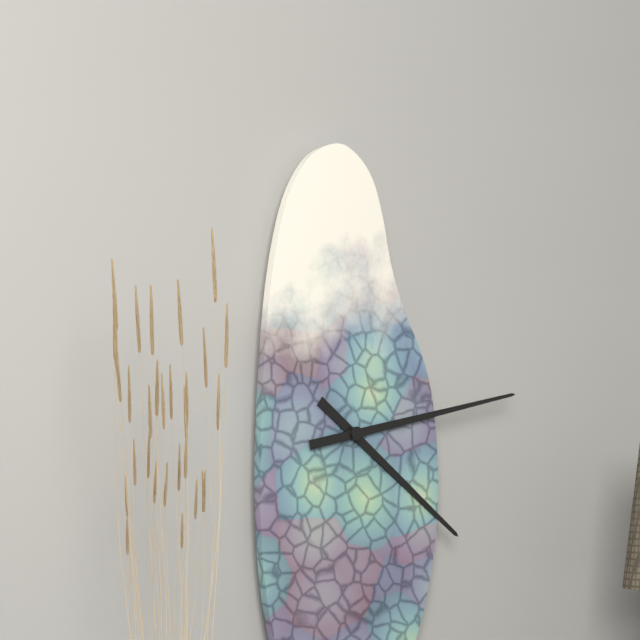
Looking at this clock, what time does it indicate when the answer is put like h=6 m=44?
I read h=4 m=13
